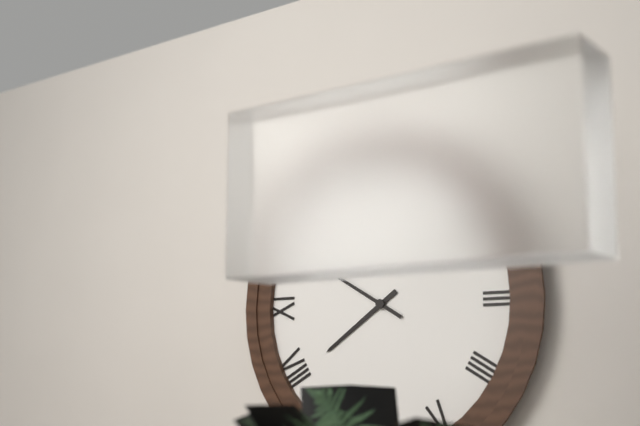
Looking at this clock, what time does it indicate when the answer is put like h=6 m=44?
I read h=7 m=50
